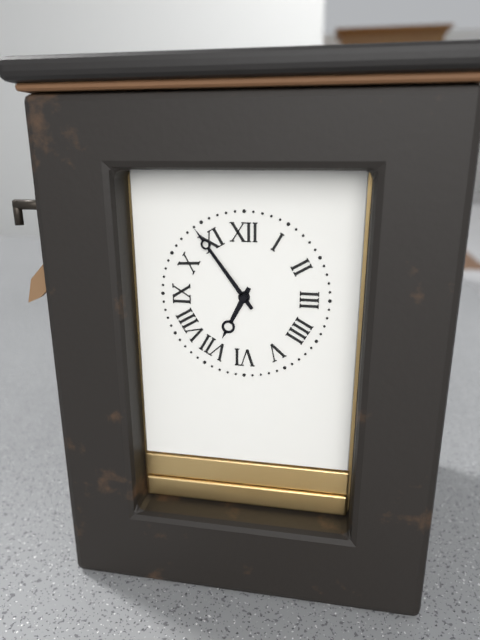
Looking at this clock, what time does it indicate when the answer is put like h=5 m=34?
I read h=6 m=54
